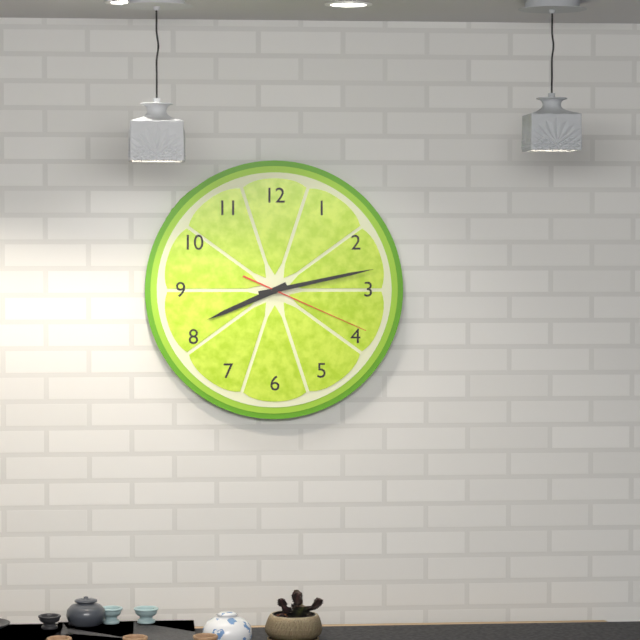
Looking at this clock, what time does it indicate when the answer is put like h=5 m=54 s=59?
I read h=8 m=13 s=19
